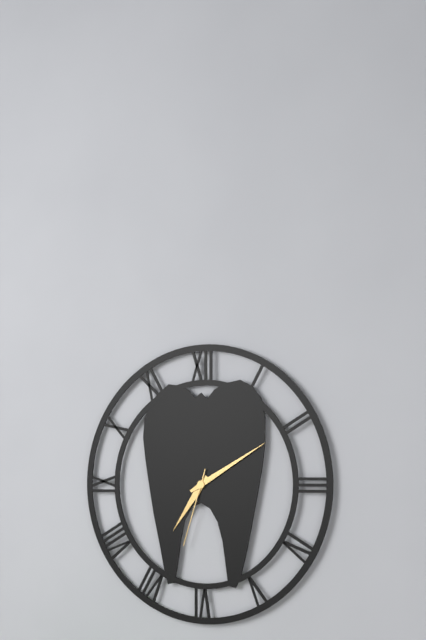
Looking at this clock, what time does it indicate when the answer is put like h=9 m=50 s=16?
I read h=7 m=10 s=33
